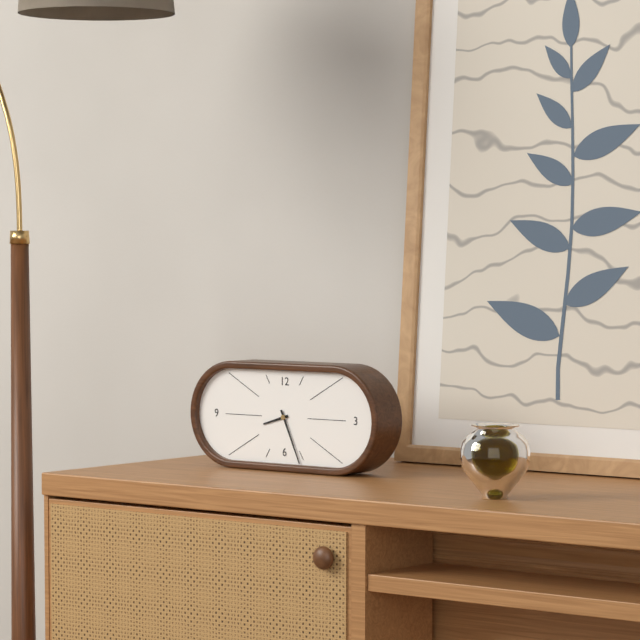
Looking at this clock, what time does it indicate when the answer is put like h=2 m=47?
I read h=8 m=26
